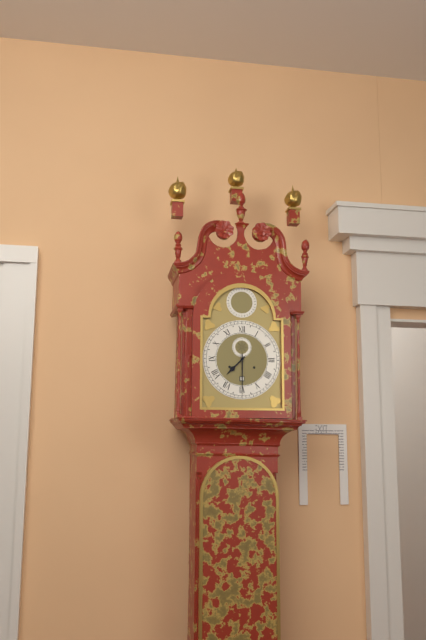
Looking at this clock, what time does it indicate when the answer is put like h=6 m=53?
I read h=7 m=30
